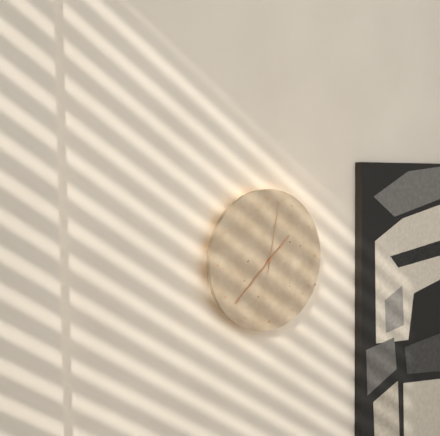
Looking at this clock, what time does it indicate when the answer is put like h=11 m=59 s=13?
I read h=1 m=38 s=2
